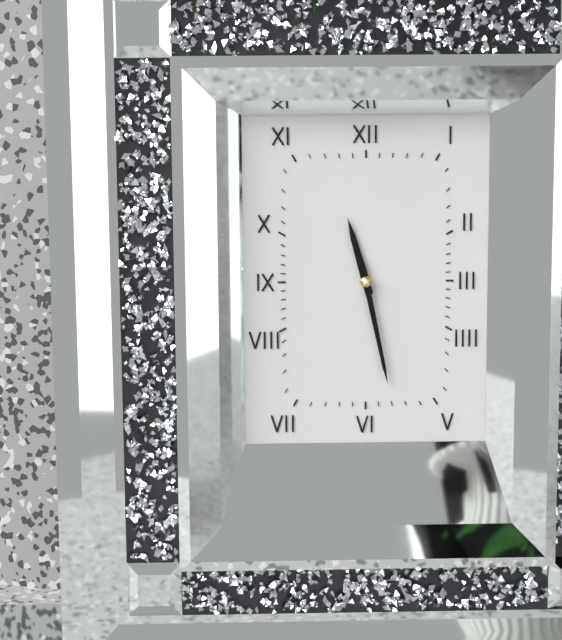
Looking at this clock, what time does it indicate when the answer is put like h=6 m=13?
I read h=11 m=28
